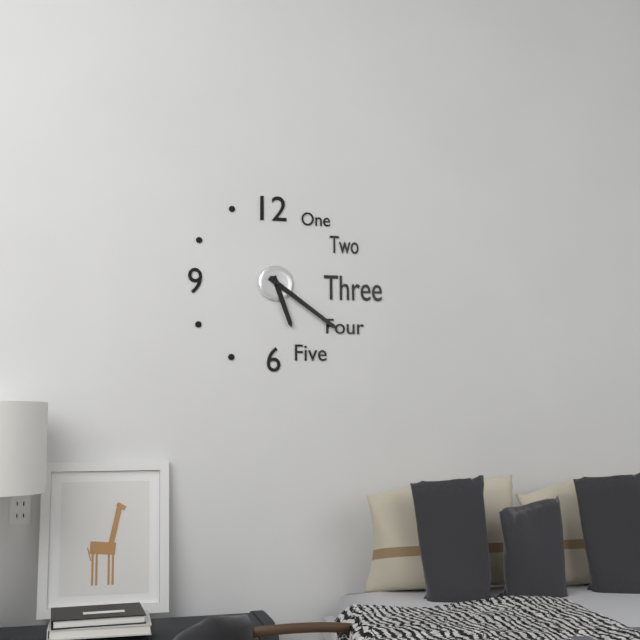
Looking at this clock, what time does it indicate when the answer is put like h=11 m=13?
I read h=5 m=21
